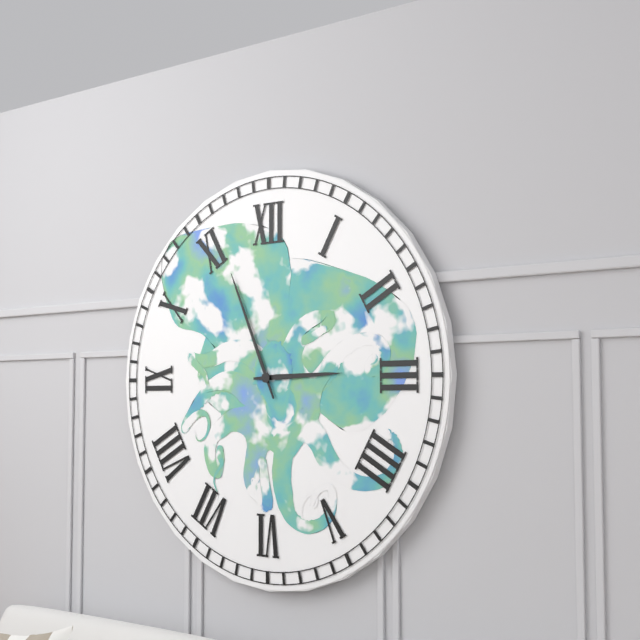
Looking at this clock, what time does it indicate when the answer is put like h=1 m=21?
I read h=2 m=56
